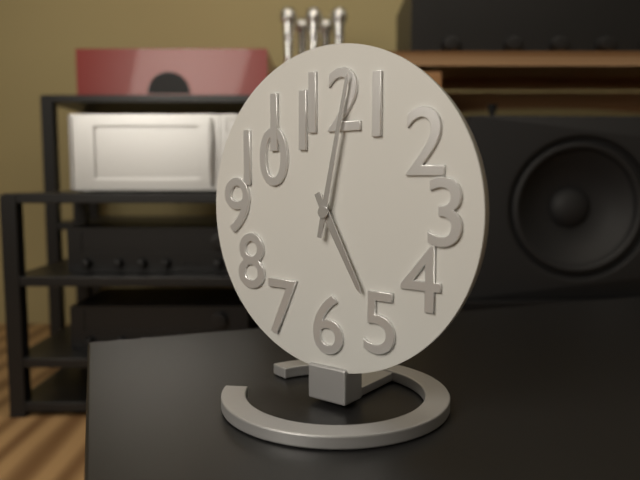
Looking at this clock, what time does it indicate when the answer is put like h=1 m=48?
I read h=5 m=2
